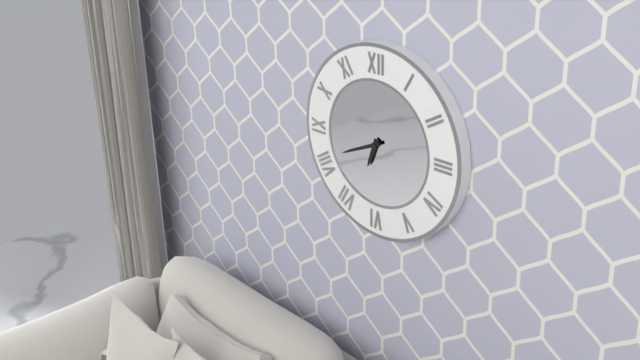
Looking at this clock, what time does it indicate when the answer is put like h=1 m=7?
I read h=6 m=41
